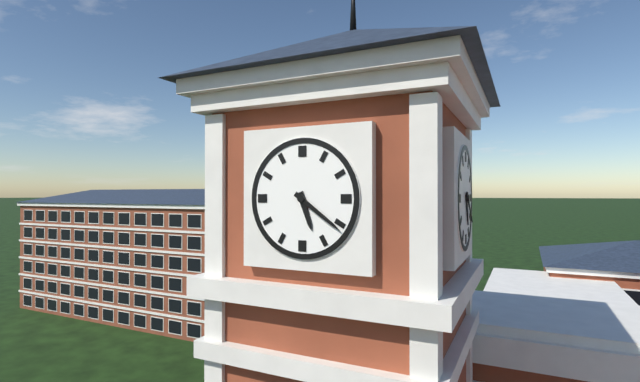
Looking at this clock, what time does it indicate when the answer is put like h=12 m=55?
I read h=5 m=21
